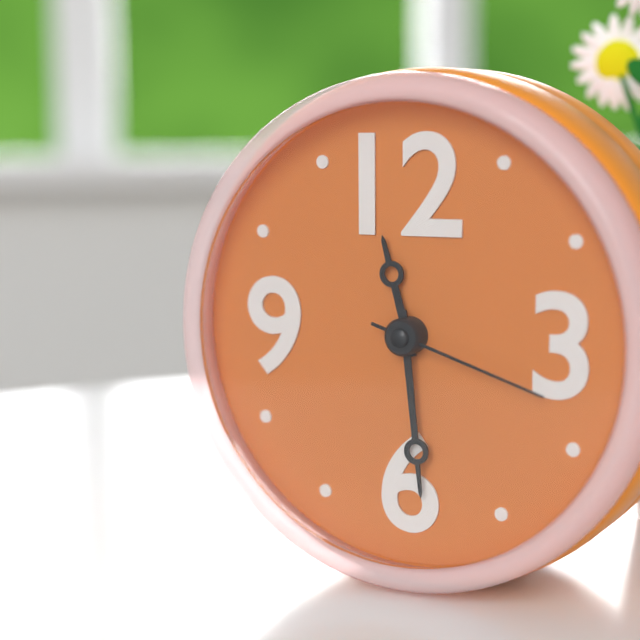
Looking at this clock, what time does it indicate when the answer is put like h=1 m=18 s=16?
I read h=11 m=29 s=18
